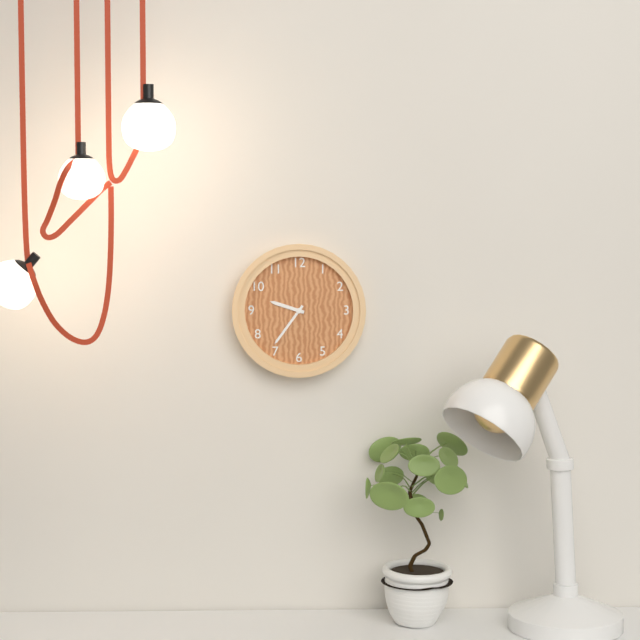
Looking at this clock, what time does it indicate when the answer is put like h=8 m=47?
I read h=9 m=36
